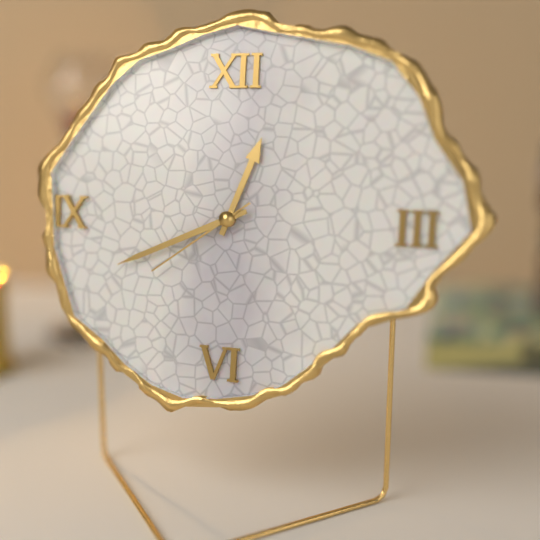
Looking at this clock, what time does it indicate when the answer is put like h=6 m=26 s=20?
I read h=12 m=41 s=39
